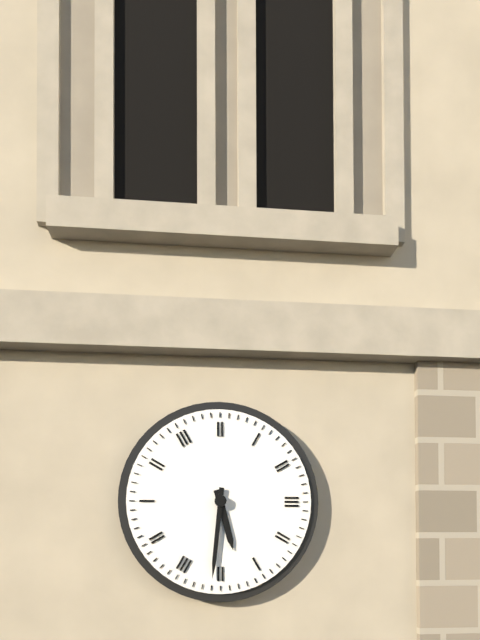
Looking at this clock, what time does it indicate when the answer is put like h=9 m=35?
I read h=5 m=31
